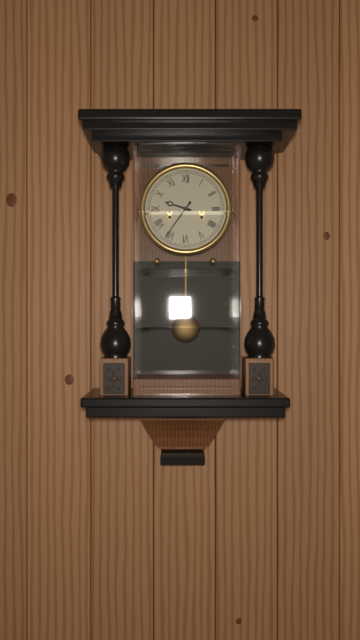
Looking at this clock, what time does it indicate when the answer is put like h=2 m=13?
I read h=9 m=36
